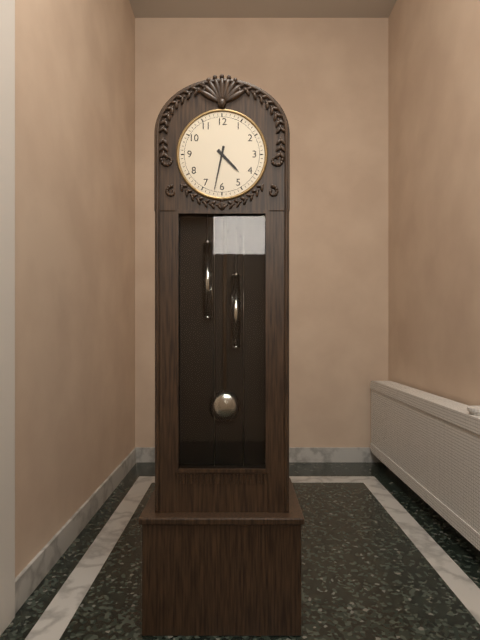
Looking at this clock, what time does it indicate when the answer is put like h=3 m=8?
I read h=4 m=32
